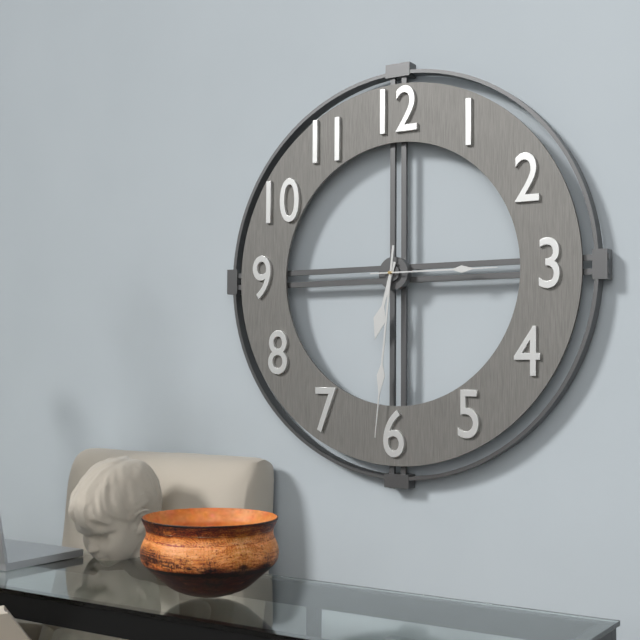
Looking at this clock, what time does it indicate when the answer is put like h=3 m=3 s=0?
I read h=6 m=31 s=15
